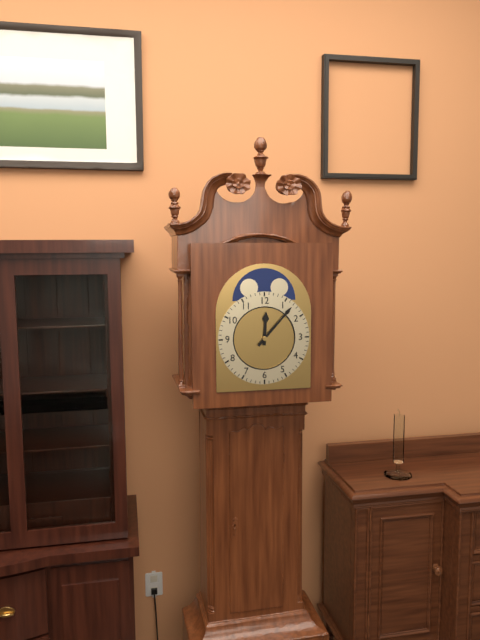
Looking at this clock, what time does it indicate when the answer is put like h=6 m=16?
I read h=12 m=7
